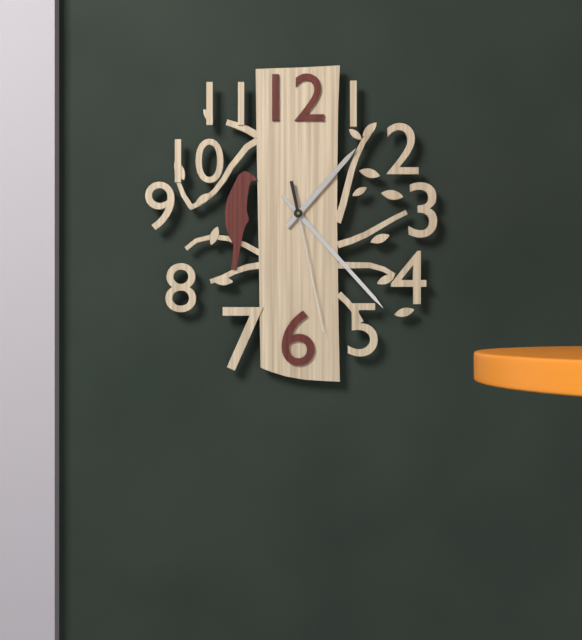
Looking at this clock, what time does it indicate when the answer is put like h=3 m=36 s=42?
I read h=1 m=23 s=28
